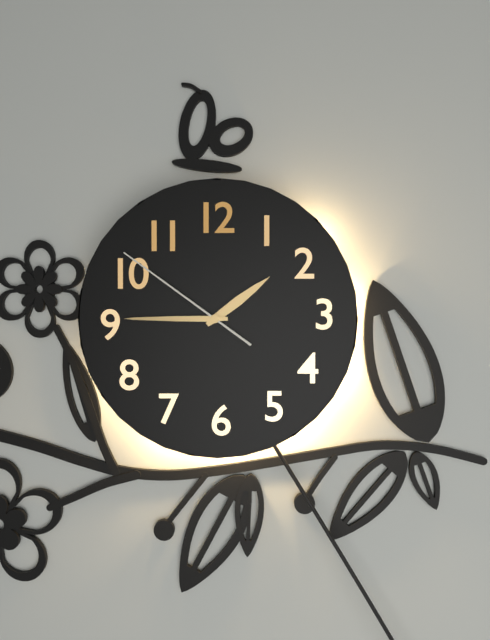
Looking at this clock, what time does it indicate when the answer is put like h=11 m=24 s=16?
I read h=1 m=45 s=51
